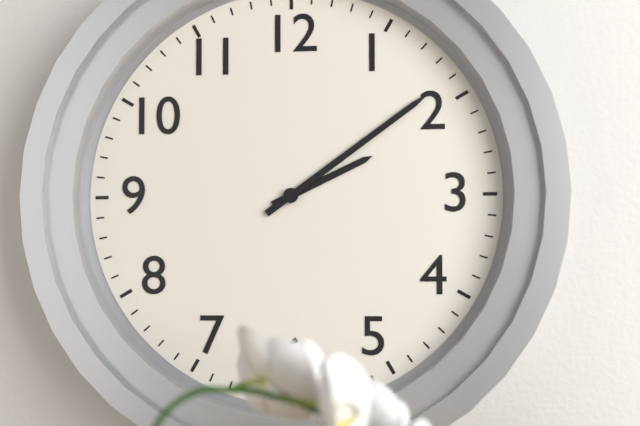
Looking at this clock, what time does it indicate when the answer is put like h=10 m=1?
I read h=2 m=9
